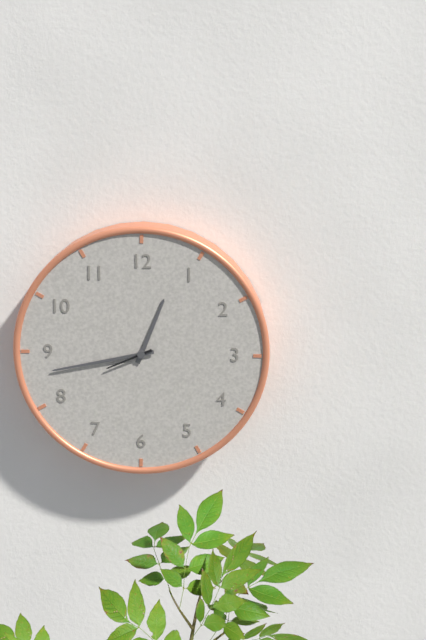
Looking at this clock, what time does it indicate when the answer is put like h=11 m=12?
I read h=12 m=43
